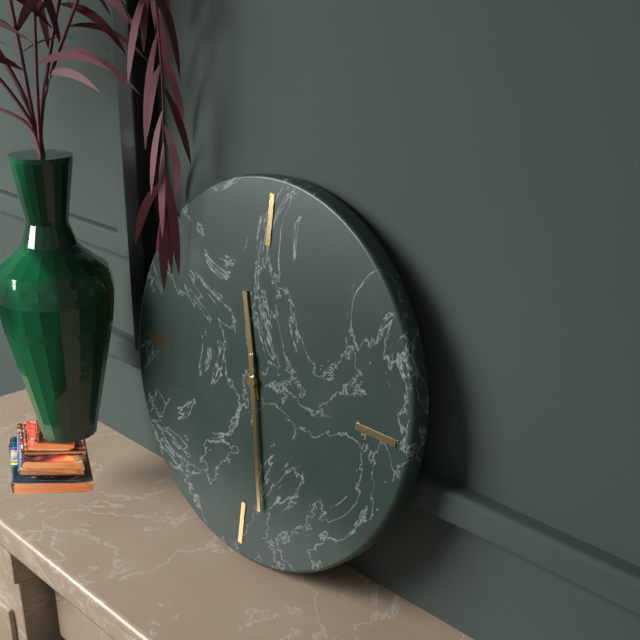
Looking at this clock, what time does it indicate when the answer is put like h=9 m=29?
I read h=11 m=28
